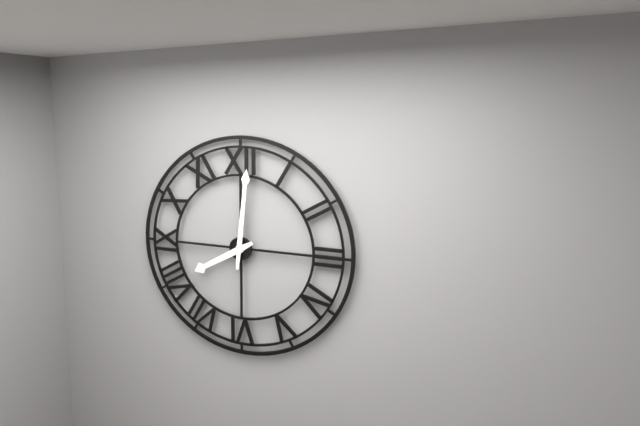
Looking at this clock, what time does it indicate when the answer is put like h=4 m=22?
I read h=8 m=1
